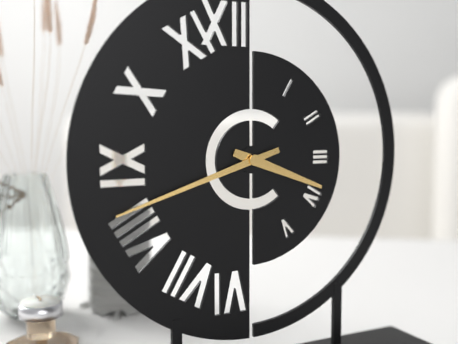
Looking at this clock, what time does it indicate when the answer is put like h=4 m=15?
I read h=3 m=42
